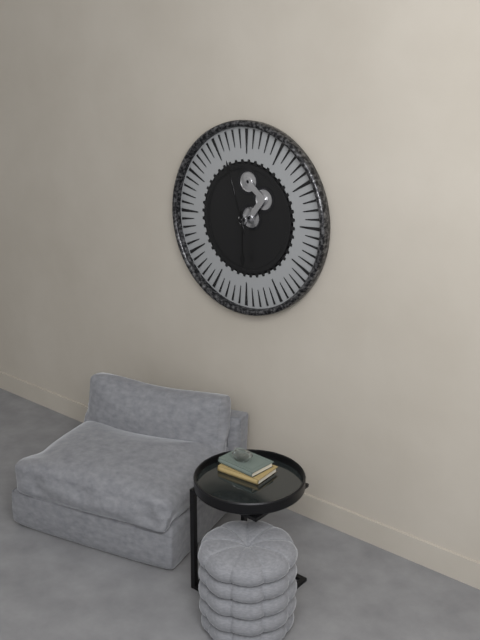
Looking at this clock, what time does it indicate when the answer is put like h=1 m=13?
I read h=5 m=57
